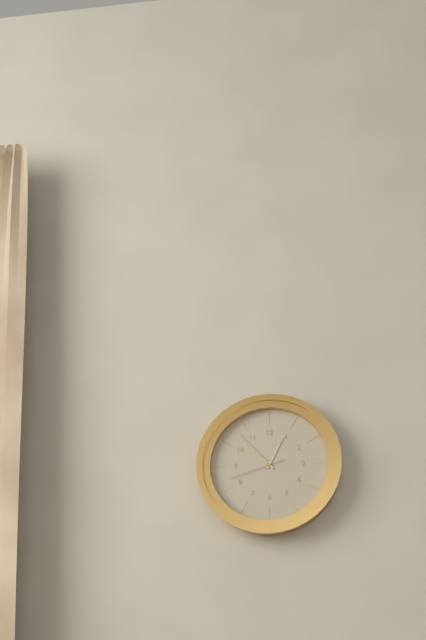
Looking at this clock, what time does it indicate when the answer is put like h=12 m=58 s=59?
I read h=12 m=53 s=42
